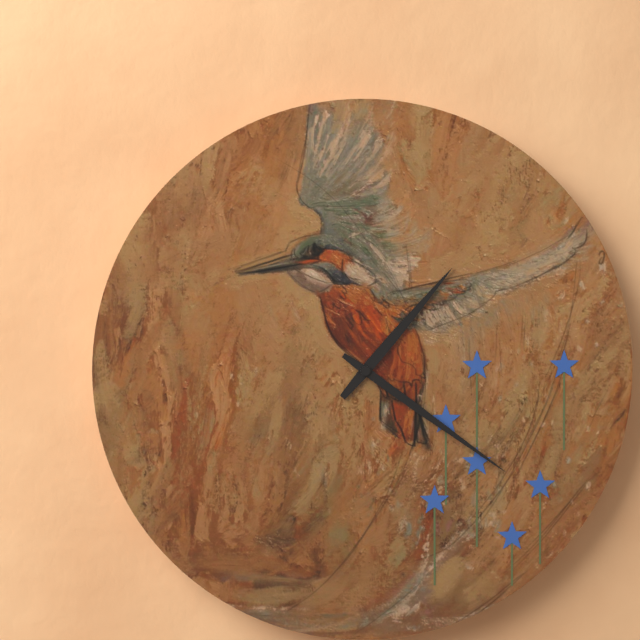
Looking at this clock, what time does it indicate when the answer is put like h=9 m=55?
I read h=1 m=21
